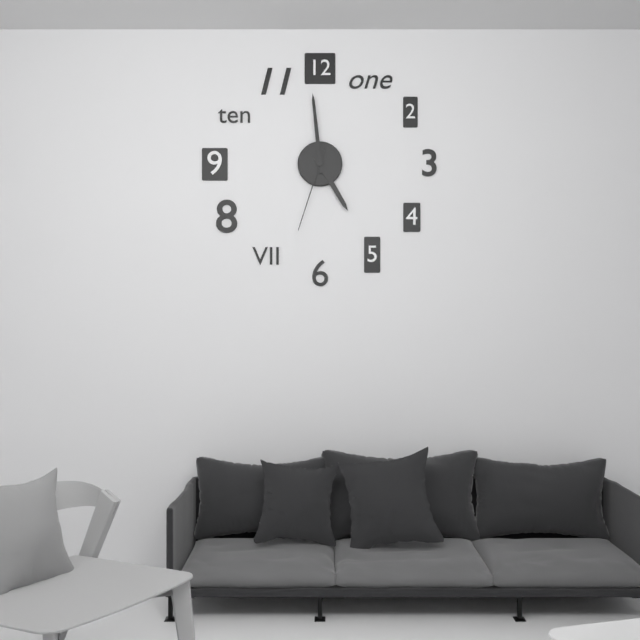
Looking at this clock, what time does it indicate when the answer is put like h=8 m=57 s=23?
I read h=4 m=59 s=33
